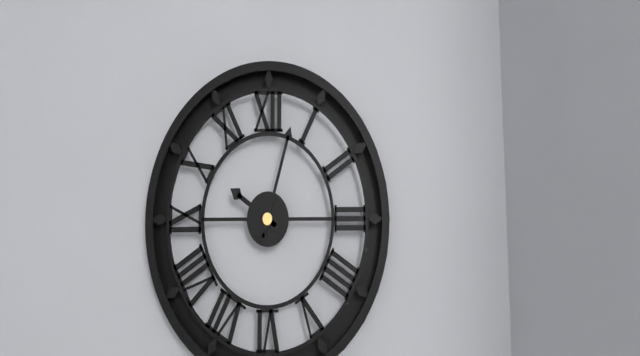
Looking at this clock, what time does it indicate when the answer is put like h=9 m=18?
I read h=10 m=3
